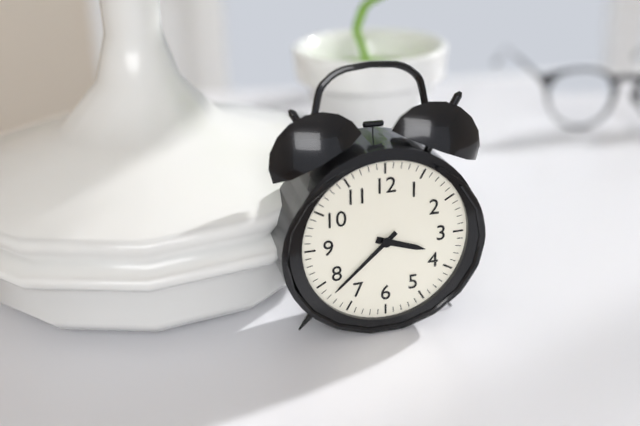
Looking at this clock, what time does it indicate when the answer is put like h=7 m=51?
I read h=3 m=38
